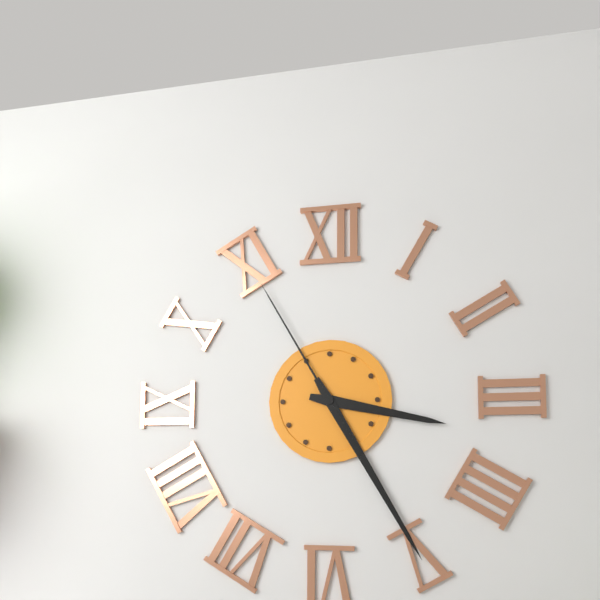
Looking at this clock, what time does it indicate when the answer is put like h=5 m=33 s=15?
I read h=3 m=25 s=55
